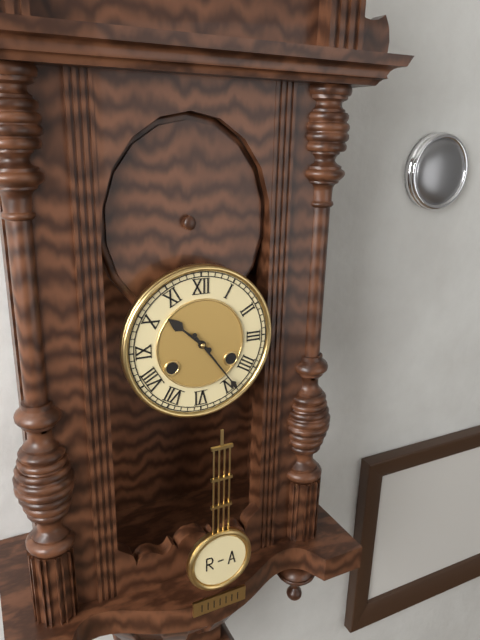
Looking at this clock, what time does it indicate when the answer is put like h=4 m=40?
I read h=10 m=24
